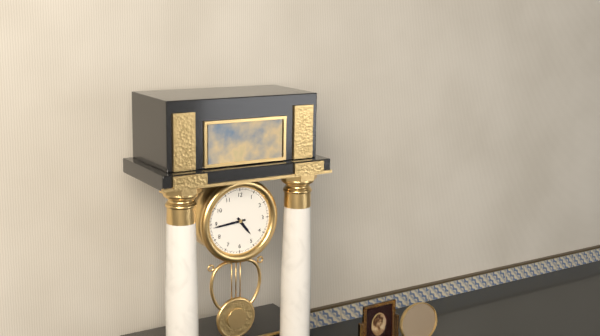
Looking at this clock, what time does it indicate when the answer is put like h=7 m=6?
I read h=4 m=44
